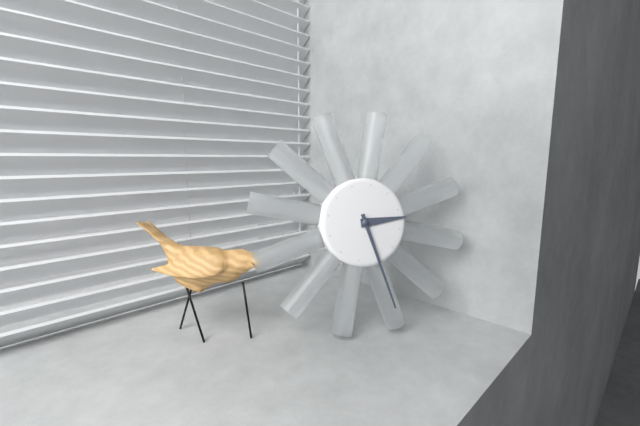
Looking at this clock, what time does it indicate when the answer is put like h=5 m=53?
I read h=2 m=25
